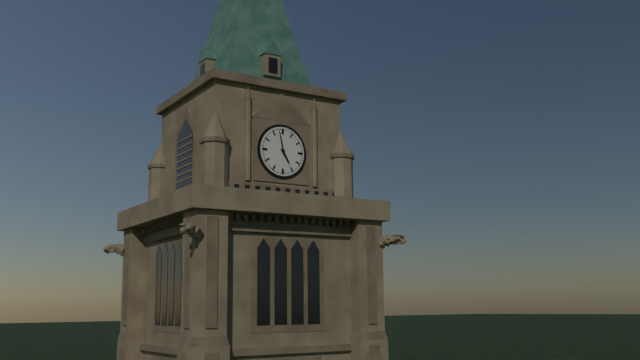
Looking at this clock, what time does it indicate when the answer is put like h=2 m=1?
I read h=4 m=58
